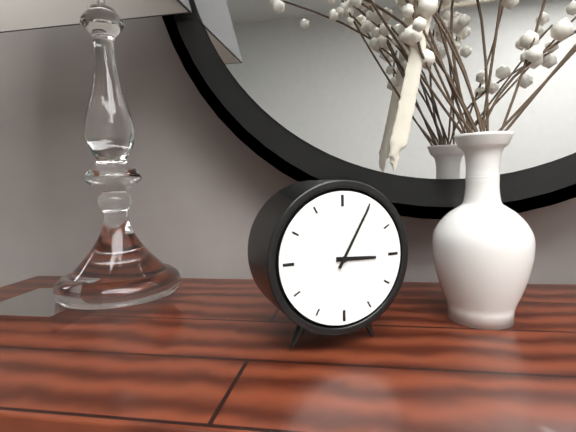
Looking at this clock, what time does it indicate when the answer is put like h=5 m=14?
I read h=3 m=5
